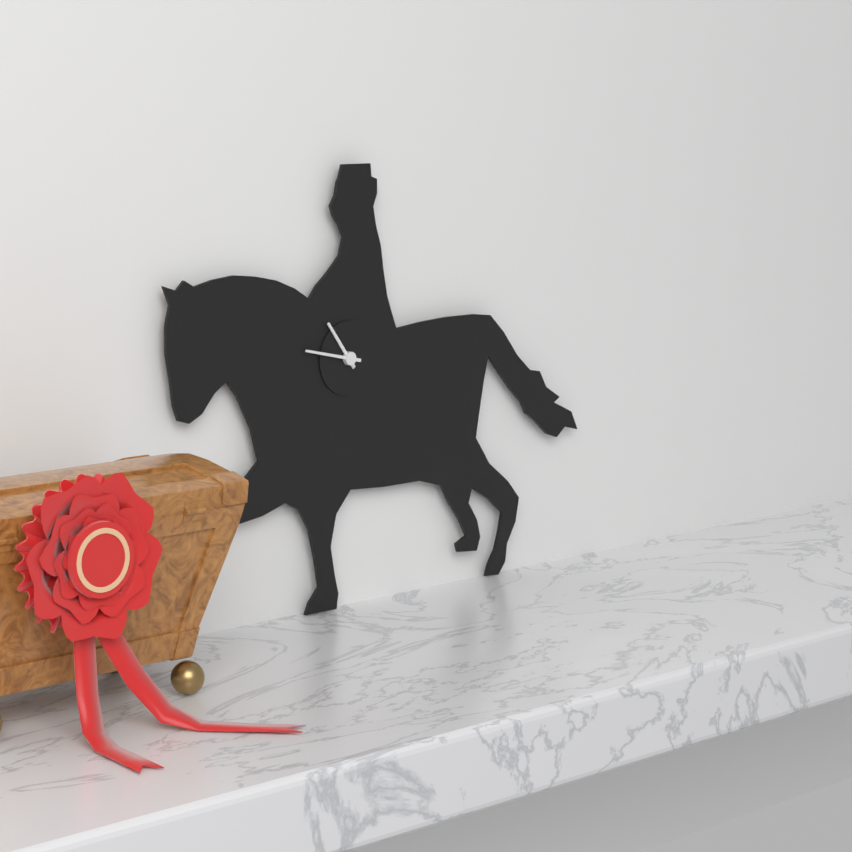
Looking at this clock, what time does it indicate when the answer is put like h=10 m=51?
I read h=10 m=47
